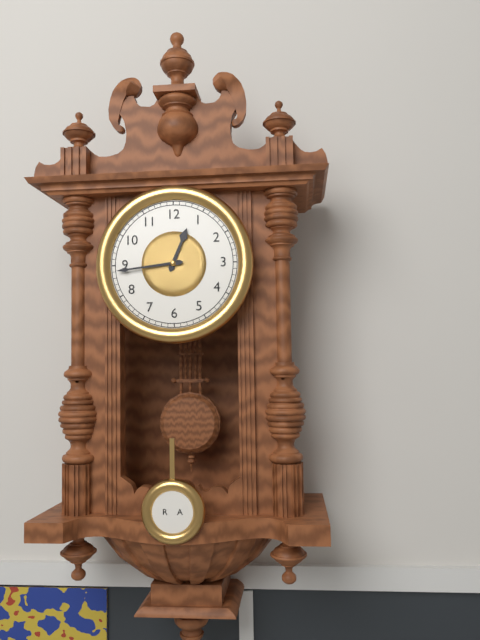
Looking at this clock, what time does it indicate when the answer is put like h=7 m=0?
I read h=12 m=44
